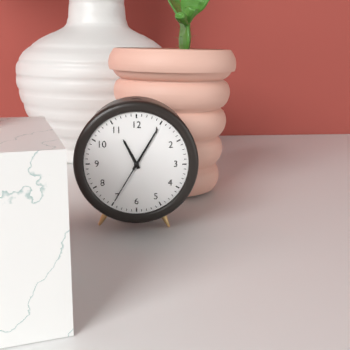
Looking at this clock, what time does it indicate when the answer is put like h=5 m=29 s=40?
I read h=11 m=5 s=35
